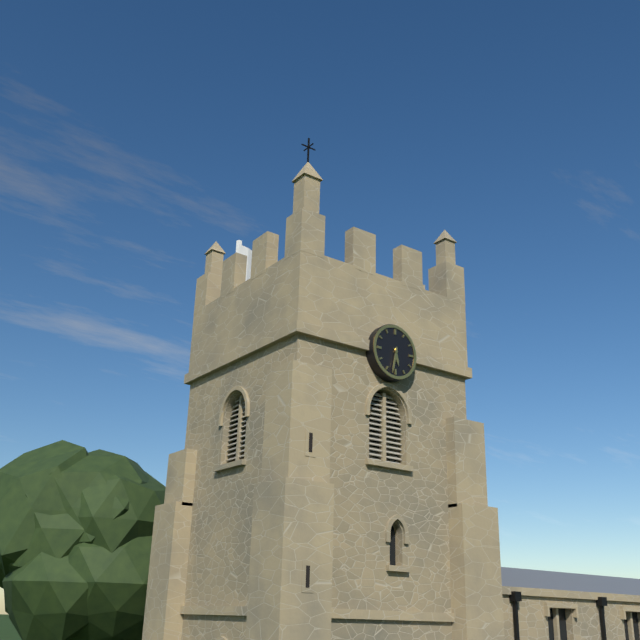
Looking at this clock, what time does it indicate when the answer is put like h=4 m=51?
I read h=5 m=32
